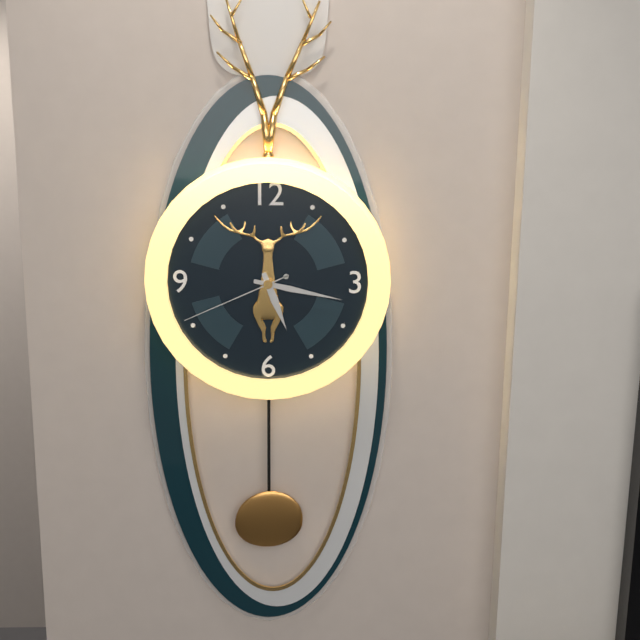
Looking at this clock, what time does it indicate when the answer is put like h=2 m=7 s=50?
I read h=5 m=17 s=41
